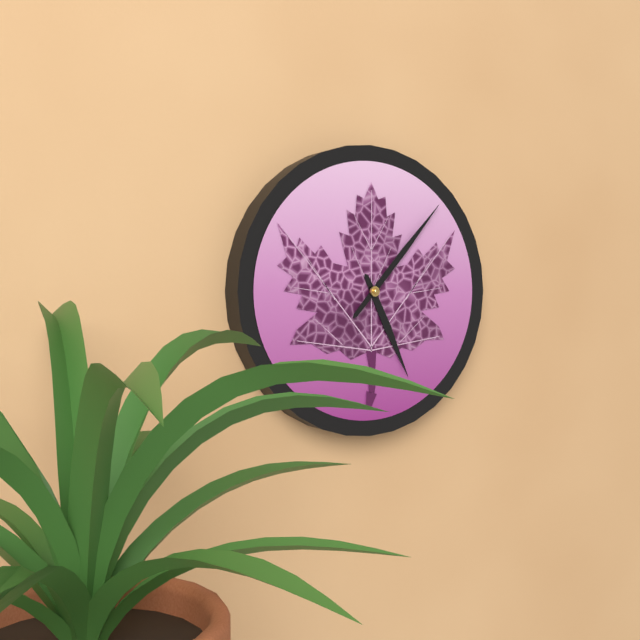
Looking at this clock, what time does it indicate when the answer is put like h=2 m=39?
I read h=5 m=7
